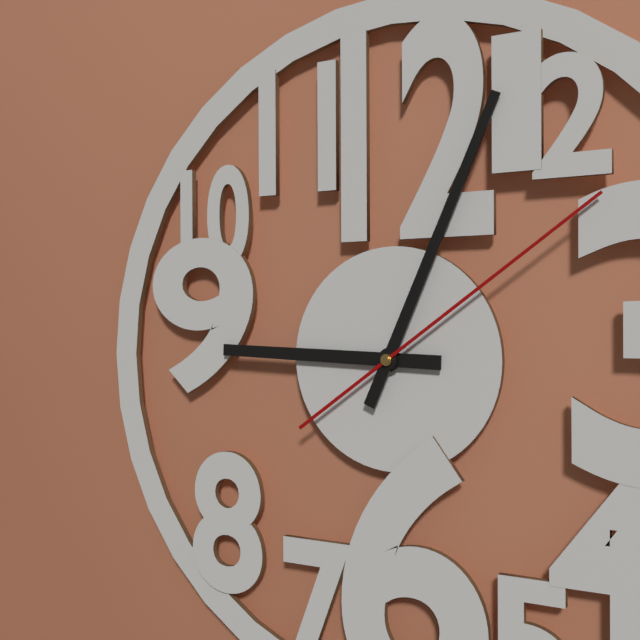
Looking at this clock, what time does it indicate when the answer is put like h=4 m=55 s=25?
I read h=9 m=4 s=9
